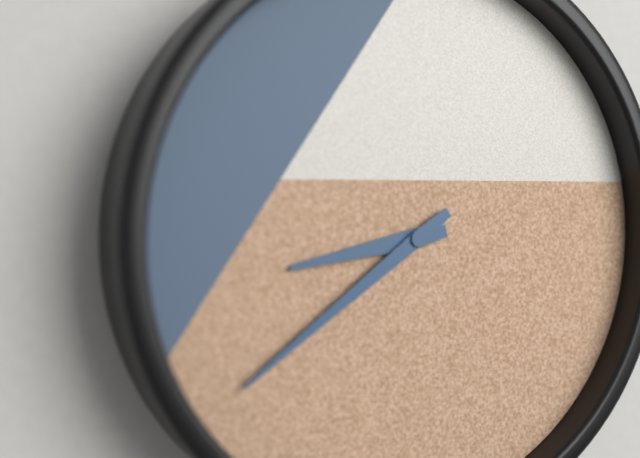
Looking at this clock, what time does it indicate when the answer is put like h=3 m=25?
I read h=8 m=39
